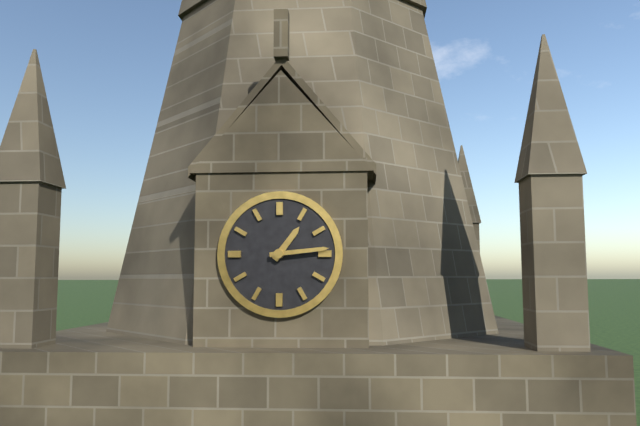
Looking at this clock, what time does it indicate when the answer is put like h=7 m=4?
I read h=1 m=14
